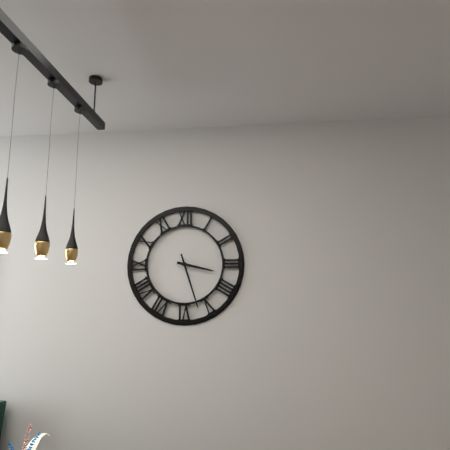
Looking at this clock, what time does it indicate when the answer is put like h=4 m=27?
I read h=3 m=27
